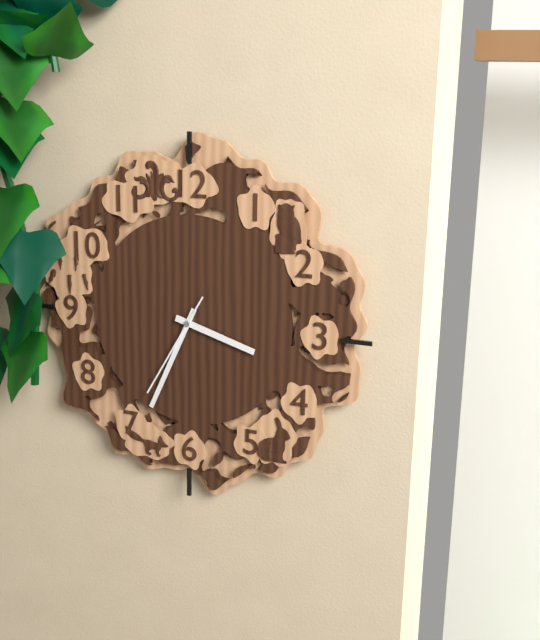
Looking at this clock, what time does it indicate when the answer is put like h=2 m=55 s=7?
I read h=3 m=34 s=35
